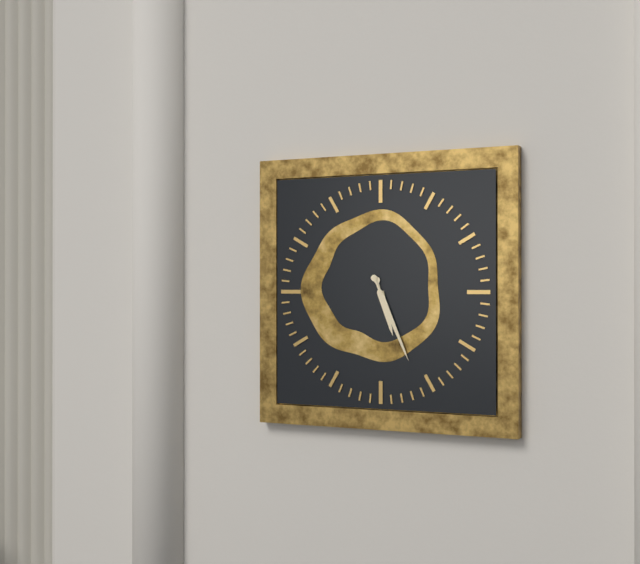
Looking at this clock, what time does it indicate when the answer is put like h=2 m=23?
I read h=5 m=26
